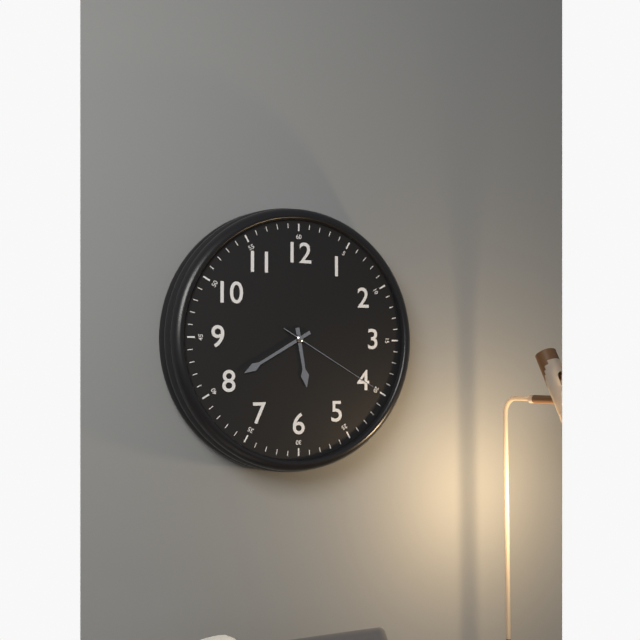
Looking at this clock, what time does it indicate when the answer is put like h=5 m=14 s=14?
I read h=5 m=40 s=20
